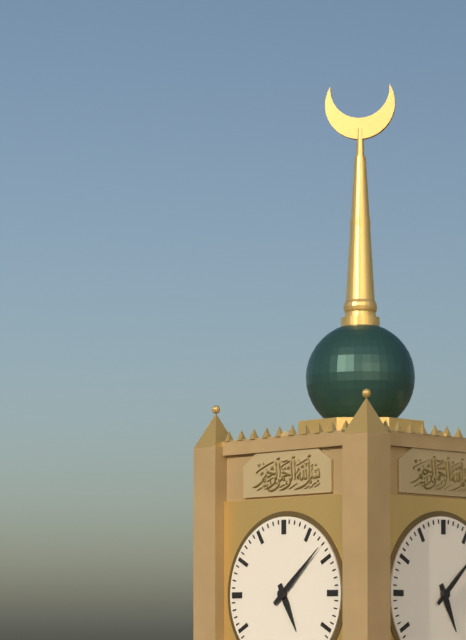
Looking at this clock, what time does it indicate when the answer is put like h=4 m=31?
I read h=5 m=8
